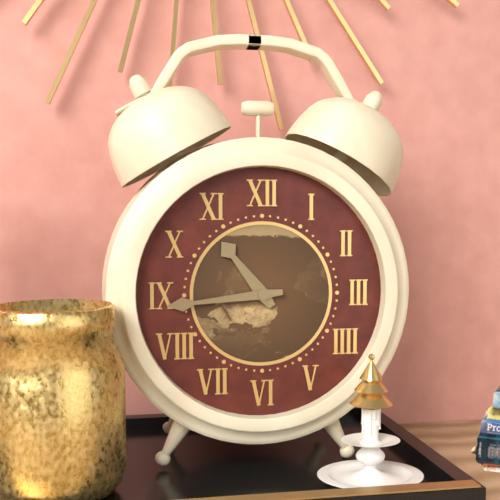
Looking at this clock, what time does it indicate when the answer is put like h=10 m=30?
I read h=10 m=44
